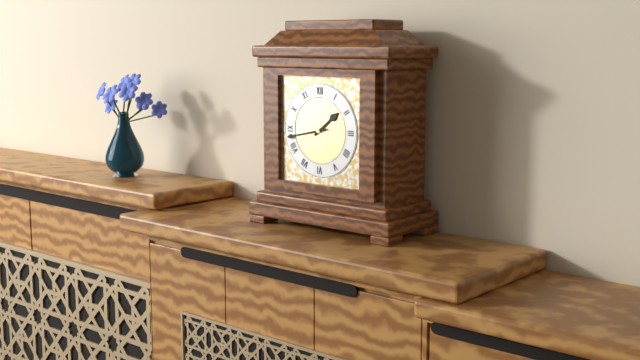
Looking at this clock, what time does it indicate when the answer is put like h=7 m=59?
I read h=1 m=43
